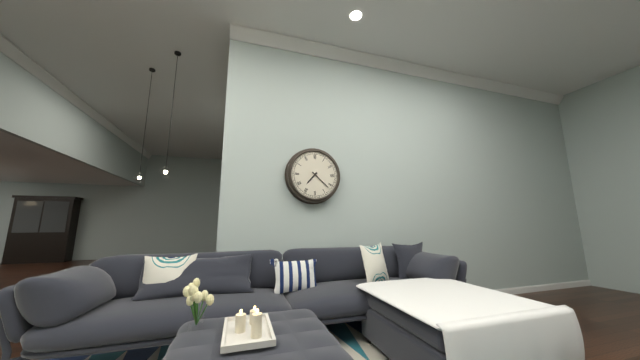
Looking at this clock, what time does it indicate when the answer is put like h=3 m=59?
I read h=7 m=22
